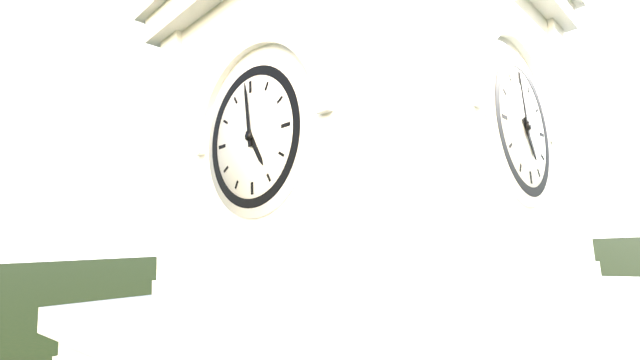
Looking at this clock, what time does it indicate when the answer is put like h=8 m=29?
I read h=4 m=59
